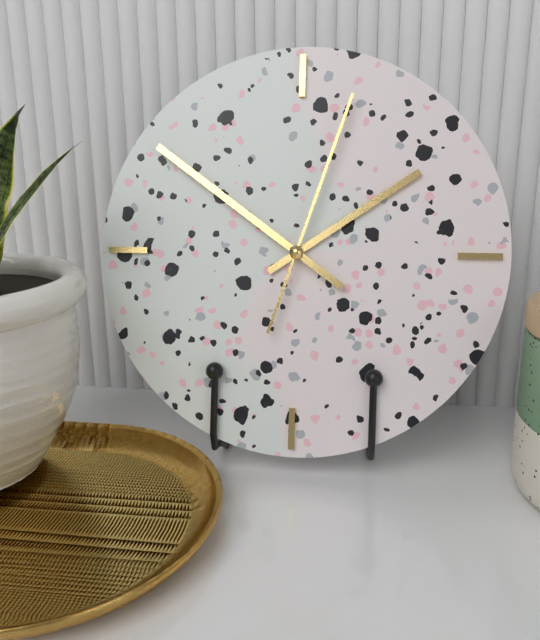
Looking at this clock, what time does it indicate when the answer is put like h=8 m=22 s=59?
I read h=1 m=51 s=3
